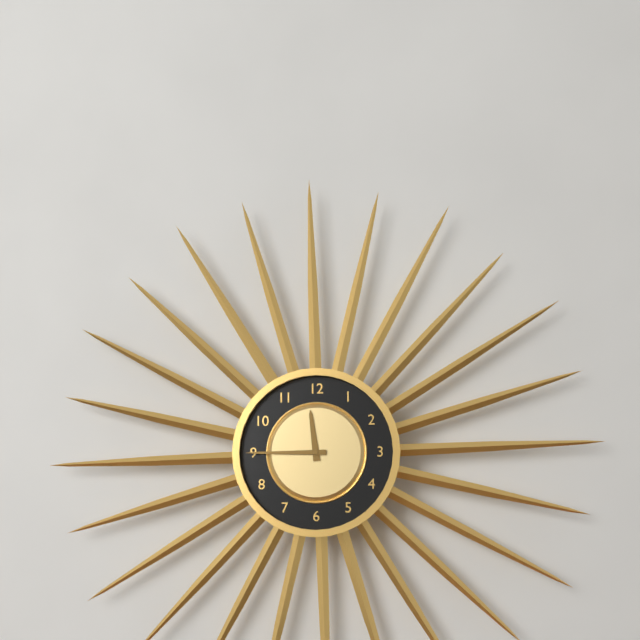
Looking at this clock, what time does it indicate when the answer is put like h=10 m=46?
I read h=11 m=45
